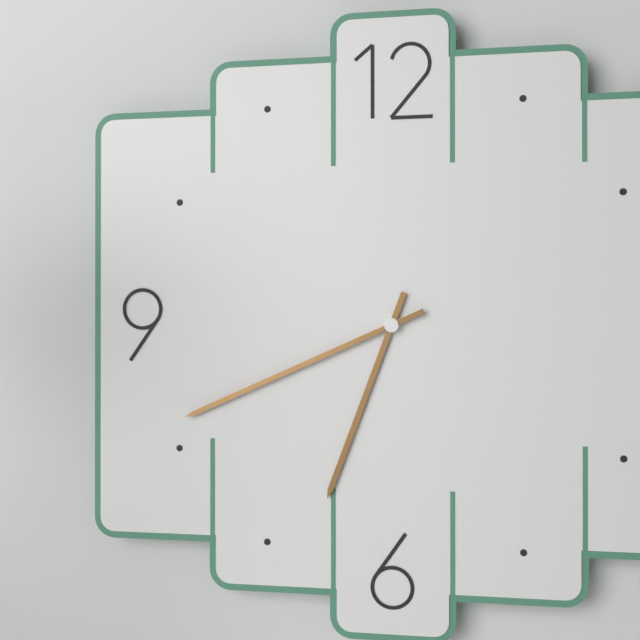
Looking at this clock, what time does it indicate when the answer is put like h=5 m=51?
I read h=6 m=41
